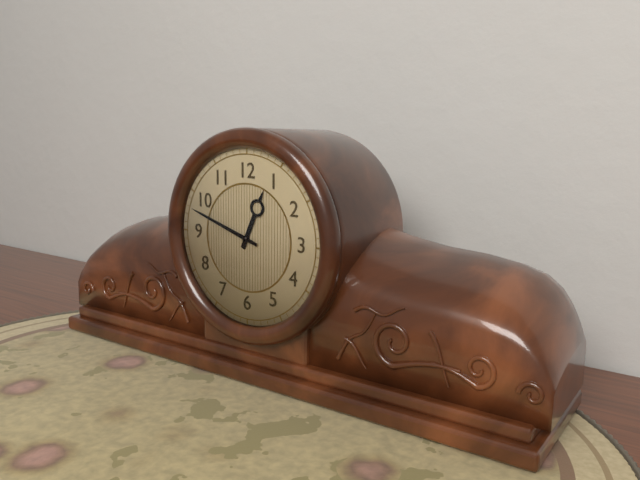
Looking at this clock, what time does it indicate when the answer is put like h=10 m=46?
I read h=12 m=48
